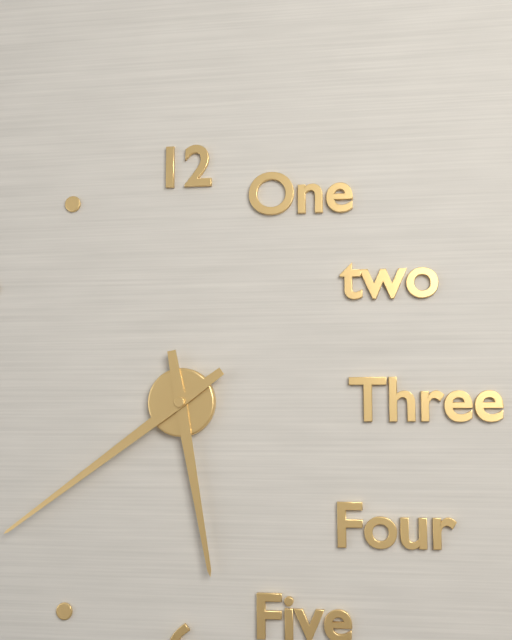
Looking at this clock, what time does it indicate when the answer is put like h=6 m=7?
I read h=5 m=39
